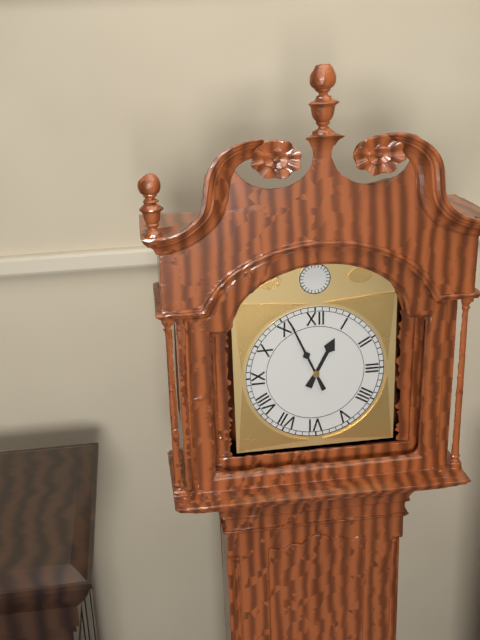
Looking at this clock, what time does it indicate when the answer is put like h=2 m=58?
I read h=12 m=56
